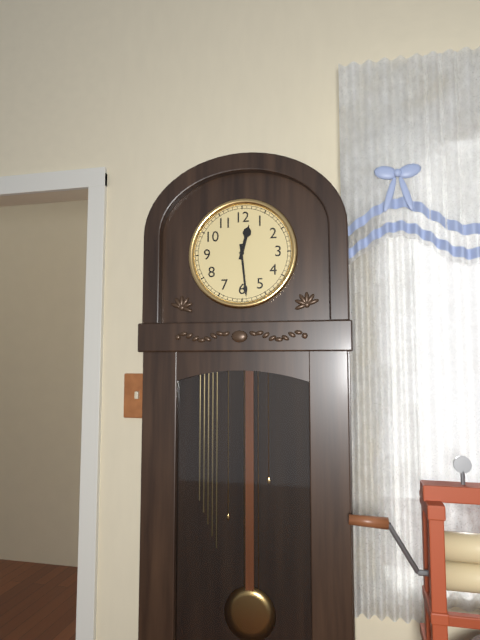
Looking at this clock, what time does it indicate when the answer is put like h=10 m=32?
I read h=12 m=29
